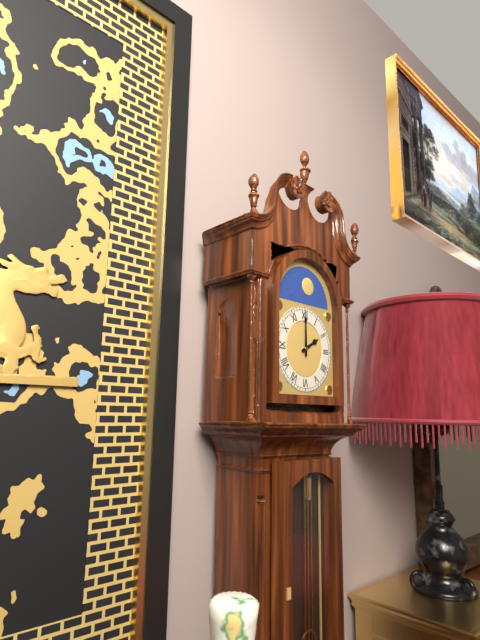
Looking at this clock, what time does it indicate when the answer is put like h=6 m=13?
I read h=2 m=0
